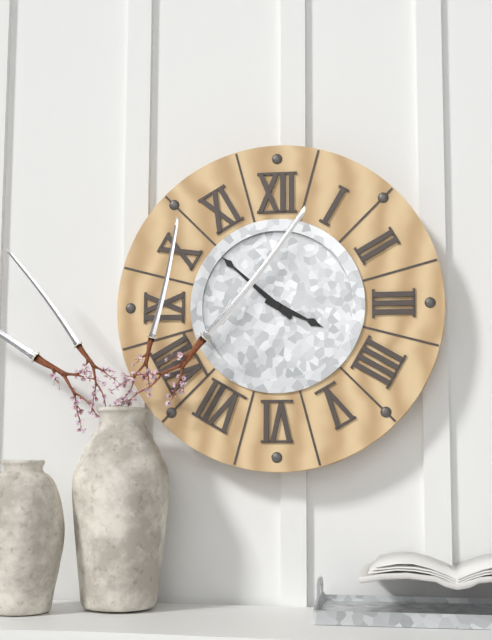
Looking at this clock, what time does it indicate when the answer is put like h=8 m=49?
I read h=3 m=52
